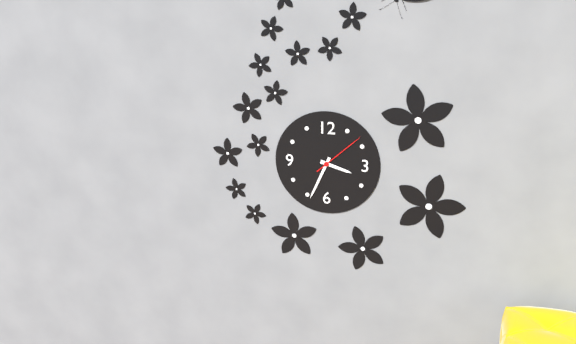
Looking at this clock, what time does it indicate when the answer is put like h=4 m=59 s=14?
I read h=3 m=34 s=8
